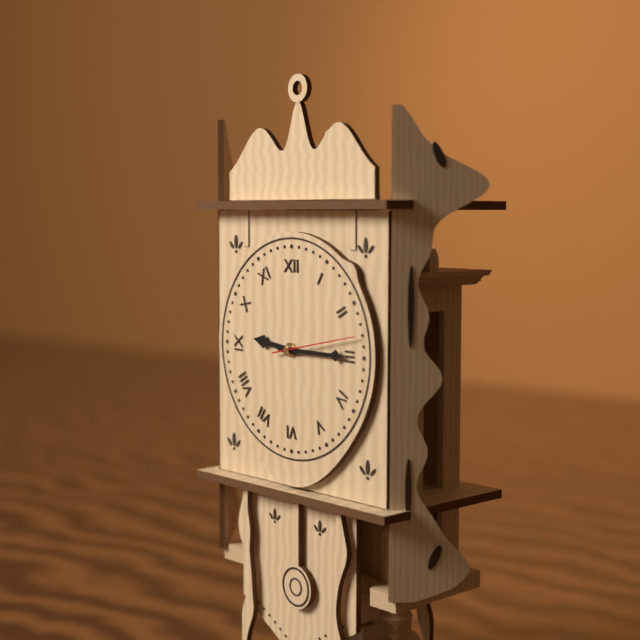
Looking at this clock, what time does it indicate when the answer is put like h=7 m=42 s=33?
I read h=9 m=15 s=13
